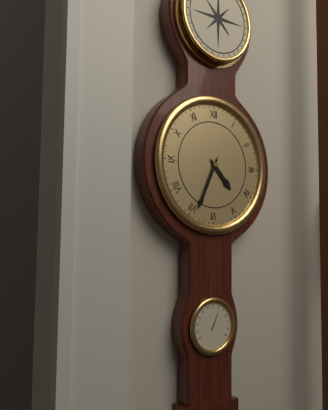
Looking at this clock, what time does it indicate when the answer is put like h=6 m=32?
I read h=4 m=34
